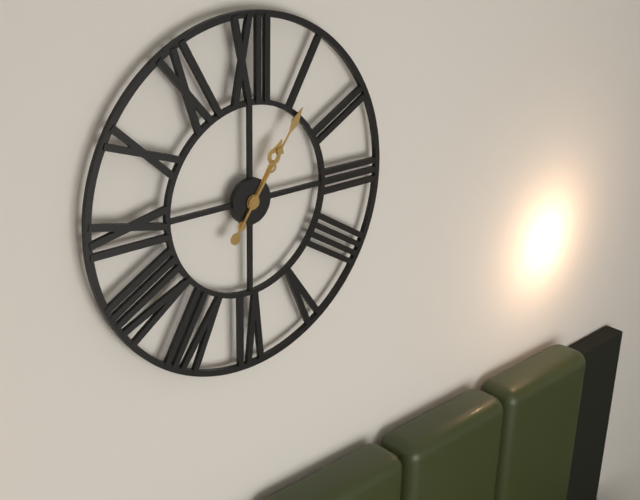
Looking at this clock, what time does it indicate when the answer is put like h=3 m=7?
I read h=1 m=6
